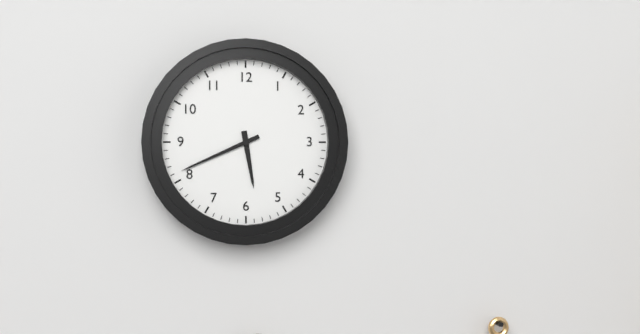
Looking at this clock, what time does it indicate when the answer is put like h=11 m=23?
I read h=5 m=41
